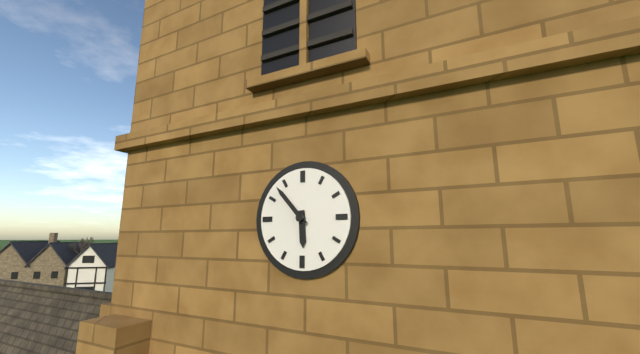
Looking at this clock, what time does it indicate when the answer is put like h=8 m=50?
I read h=5 m=53
